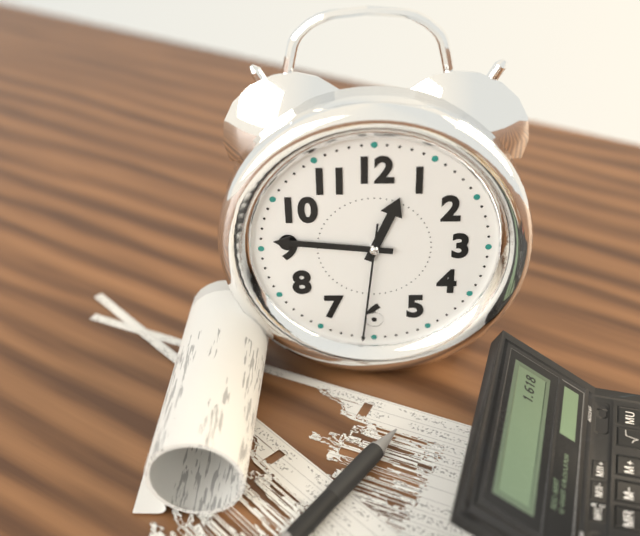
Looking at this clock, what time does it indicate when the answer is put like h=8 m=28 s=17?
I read h=12 m=46 s=31
